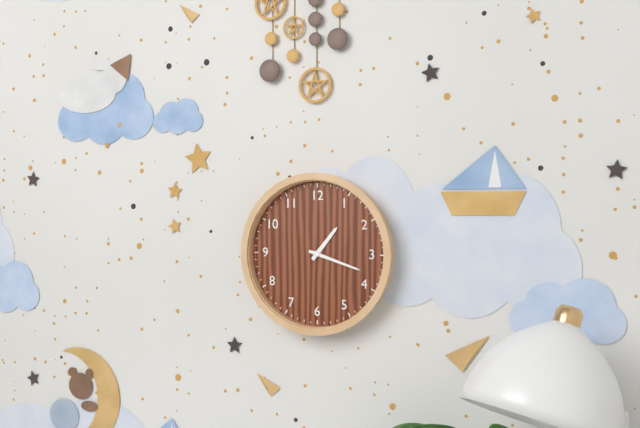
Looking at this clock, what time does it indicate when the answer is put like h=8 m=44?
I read h=1 m=18
